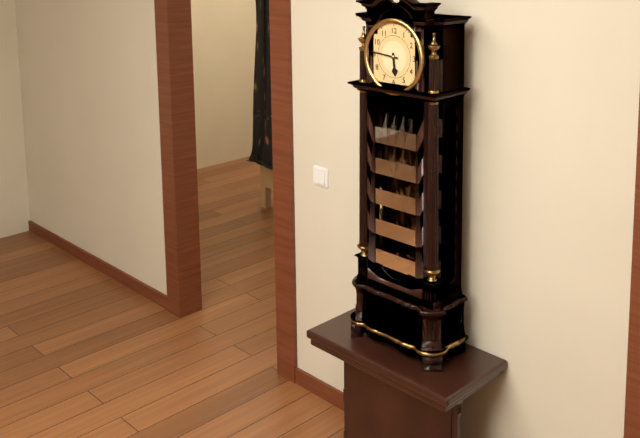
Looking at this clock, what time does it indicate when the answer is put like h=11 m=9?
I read h=5 m=46
